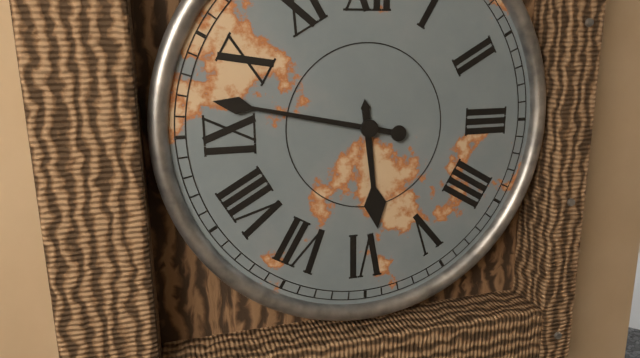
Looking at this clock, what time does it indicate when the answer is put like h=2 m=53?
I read h=5 m=47
